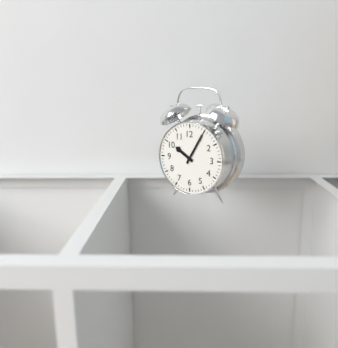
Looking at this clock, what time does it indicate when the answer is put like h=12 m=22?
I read h=10 m=5
